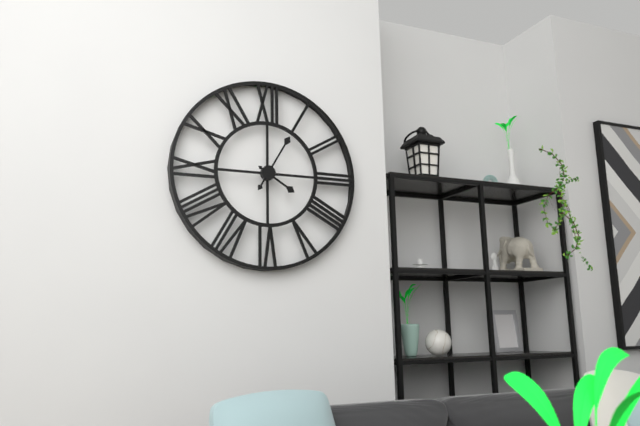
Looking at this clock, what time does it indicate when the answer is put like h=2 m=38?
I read h=4 m=5
